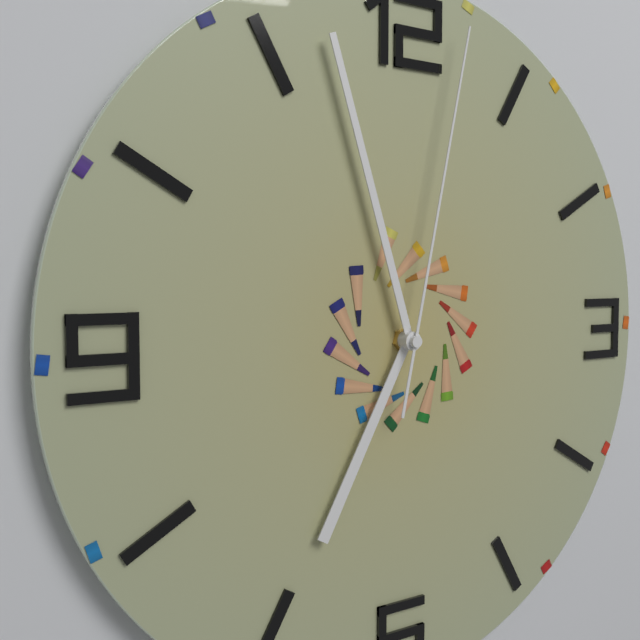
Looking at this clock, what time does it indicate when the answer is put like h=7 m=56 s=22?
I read h=6 m=57 s=2
